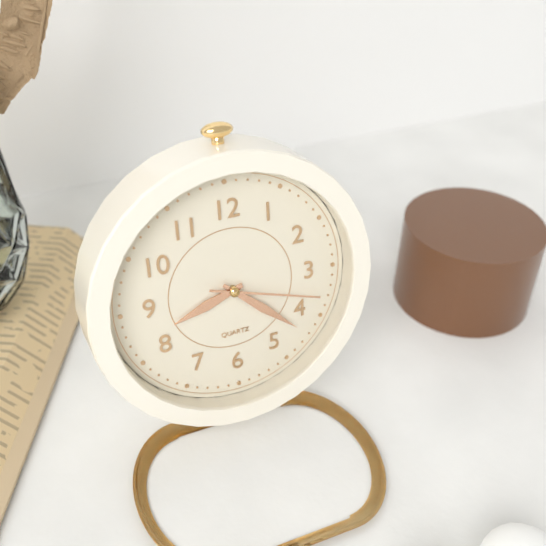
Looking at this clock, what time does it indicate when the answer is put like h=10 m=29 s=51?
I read h=8 m=22 s=18
